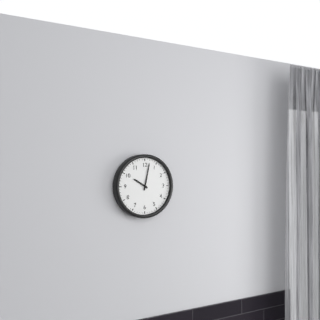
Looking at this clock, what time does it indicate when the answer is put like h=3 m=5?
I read h=10 m=2
